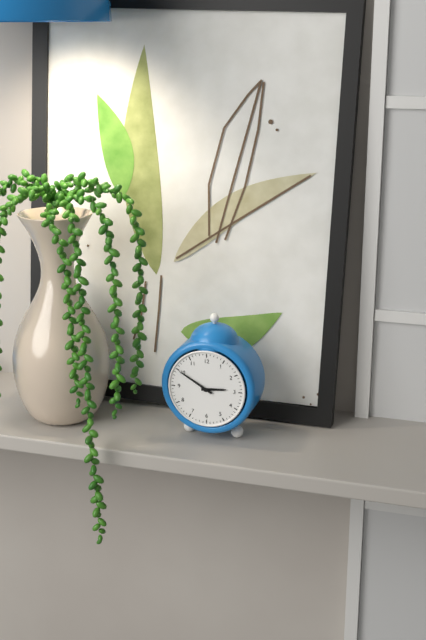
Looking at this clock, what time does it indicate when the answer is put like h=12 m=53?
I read h=2 m=50
